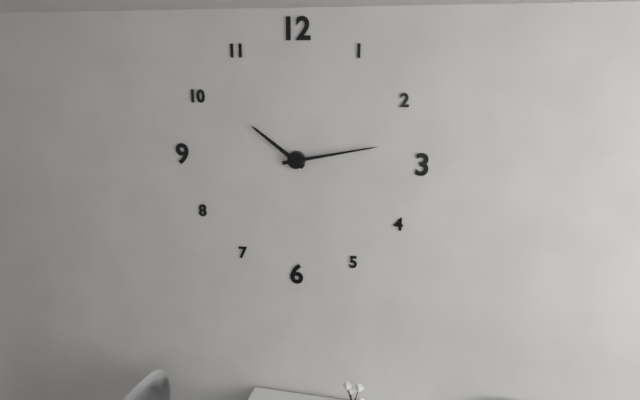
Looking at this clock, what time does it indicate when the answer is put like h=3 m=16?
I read h=10 m=13
